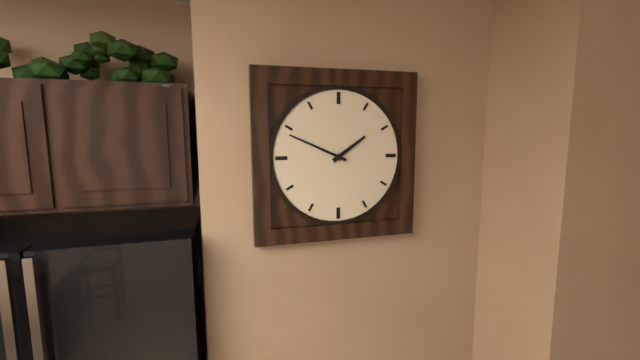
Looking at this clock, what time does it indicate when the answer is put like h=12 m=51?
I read h=1 m=49
